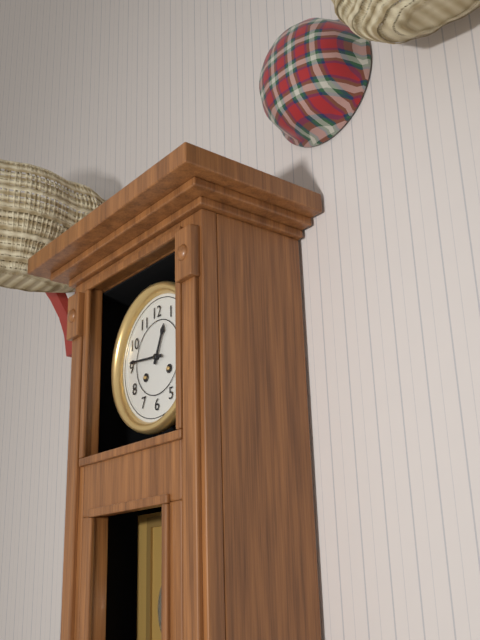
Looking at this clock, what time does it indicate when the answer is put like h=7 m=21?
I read h=12 m=46
